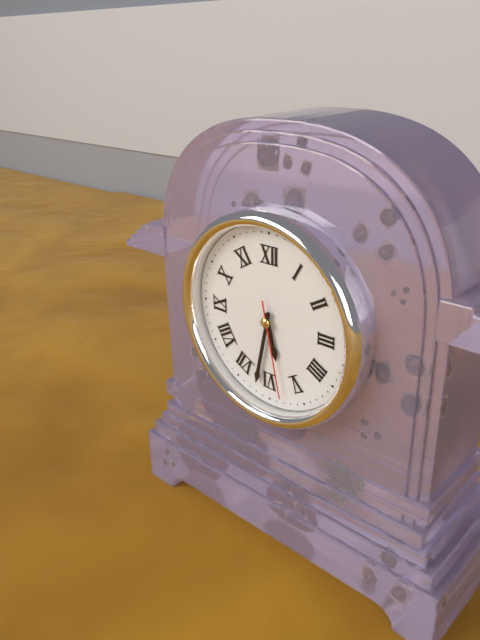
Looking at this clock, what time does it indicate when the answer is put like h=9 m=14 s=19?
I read h=5 m=32 s=28
